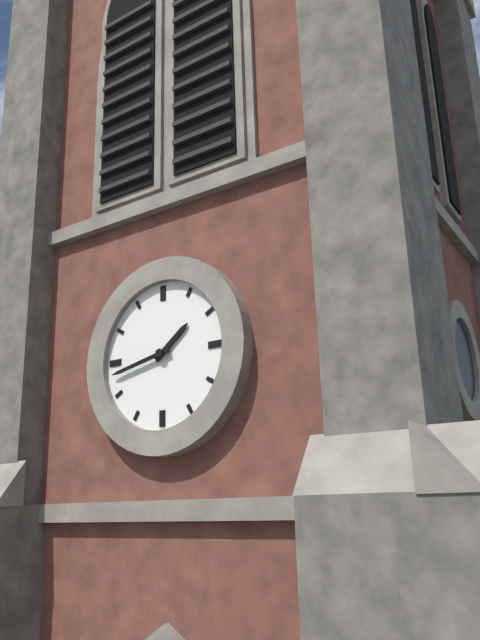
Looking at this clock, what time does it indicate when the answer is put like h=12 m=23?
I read h=1 m=43
